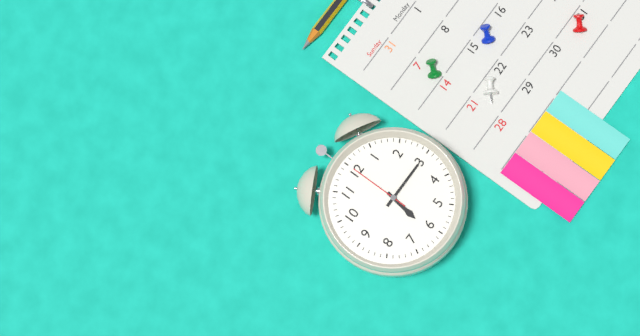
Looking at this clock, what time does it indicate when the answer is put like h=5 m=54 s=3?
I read h=6 m=15 s=0
